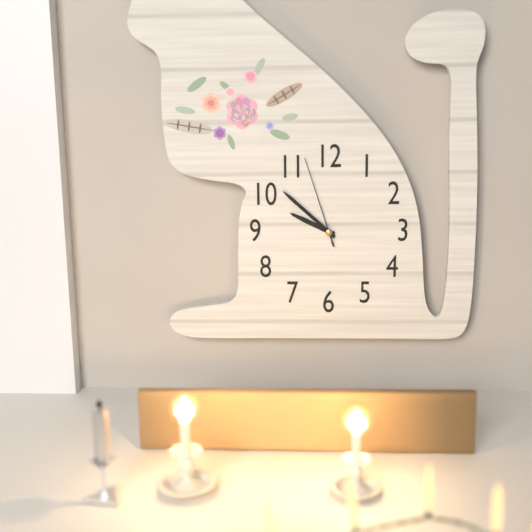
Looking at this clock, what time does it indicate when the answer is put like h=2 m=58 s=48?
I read h=9 m=52 s=57
